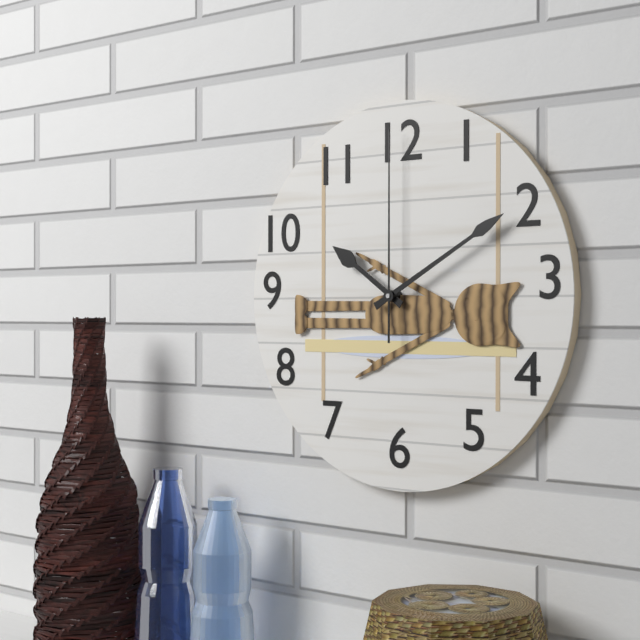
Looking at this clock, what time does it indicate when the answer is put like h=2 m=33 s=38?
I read h=10 m=10 s=0
